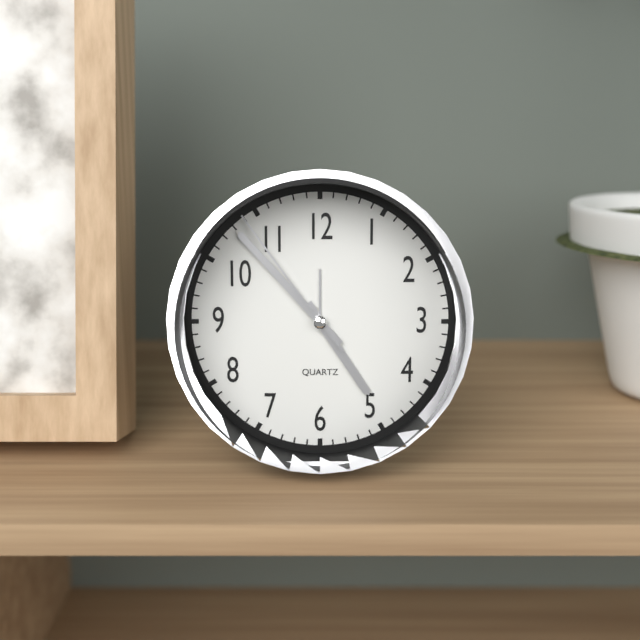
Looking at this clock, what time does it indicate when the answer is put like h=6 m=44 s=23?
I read h=4 m=53 s=54
